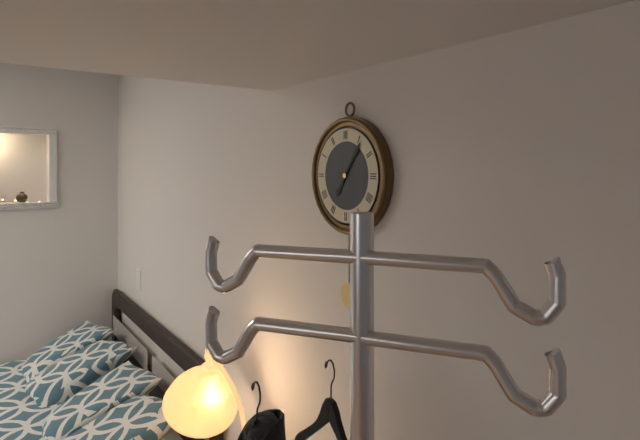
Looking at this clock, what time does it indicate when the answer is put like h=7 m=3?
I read h=7 m=6
